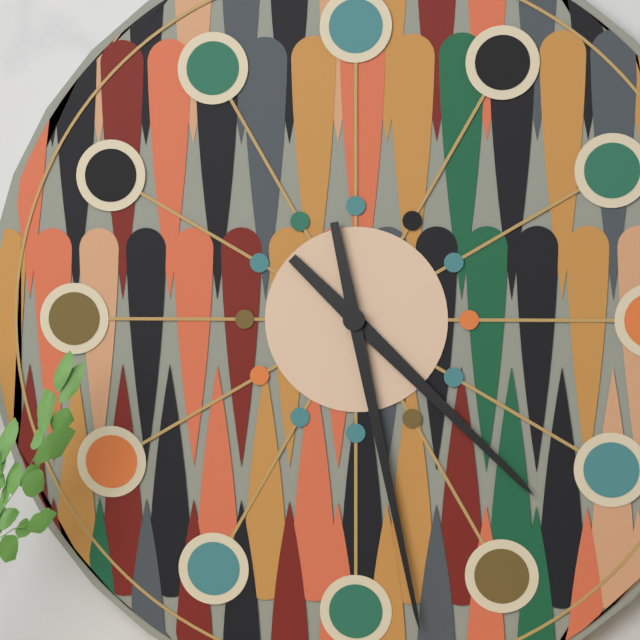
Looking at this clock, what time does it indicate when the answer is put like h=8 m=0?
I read h=4 m=28
